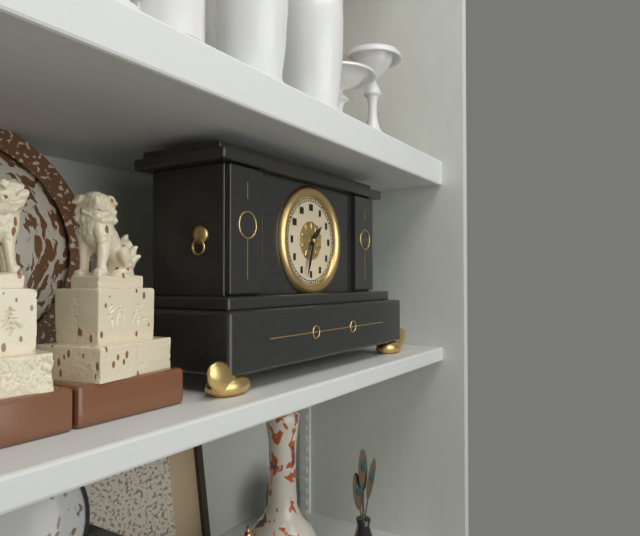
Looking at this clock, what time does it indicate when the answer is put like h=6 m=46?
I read h=1 m=33
